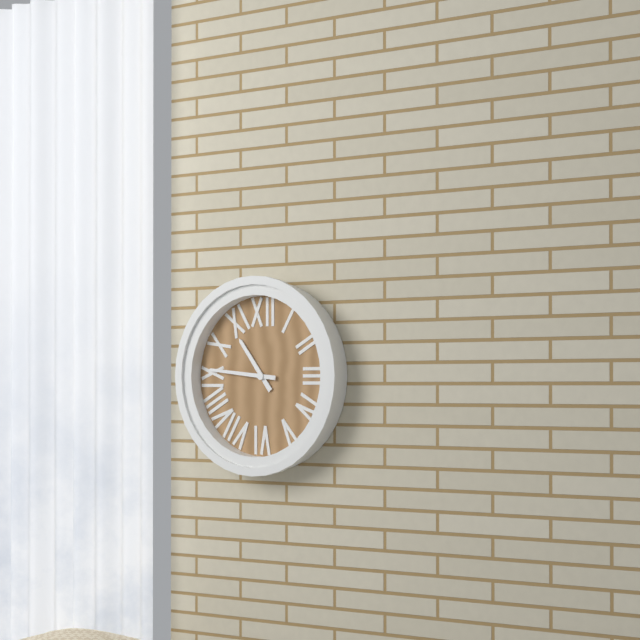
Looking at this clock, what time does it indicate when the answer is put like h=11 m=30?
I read h=10 m=46
